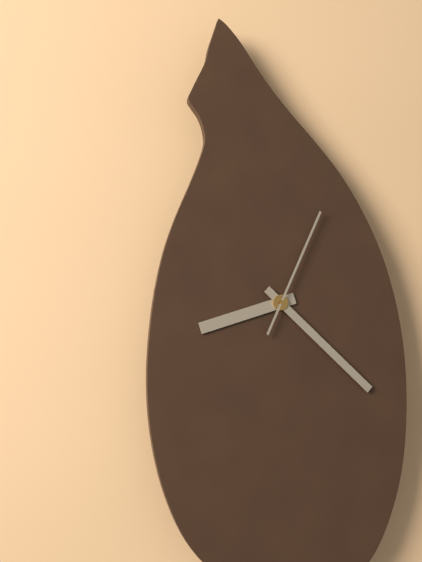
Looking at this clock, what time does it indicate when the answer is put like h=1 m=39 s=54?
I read h=8 m=22 s=4
